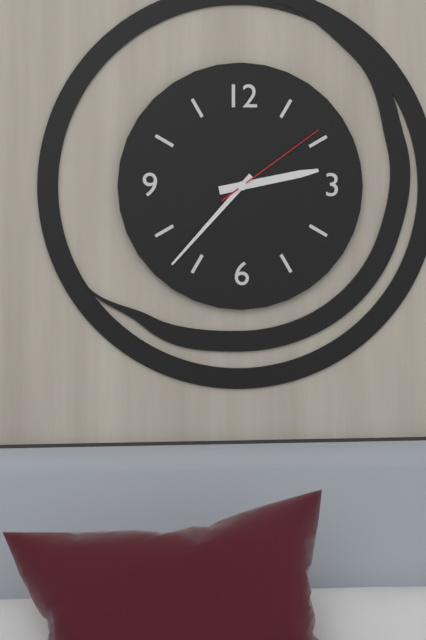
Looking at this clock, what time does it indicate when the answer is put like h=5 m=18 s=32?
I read h=2 m=37 s=9
